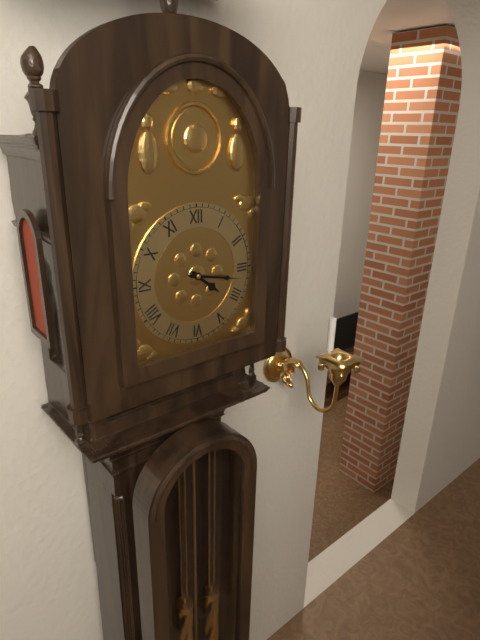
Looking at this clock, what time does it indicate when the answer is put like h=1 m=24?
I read h=4 m=17
